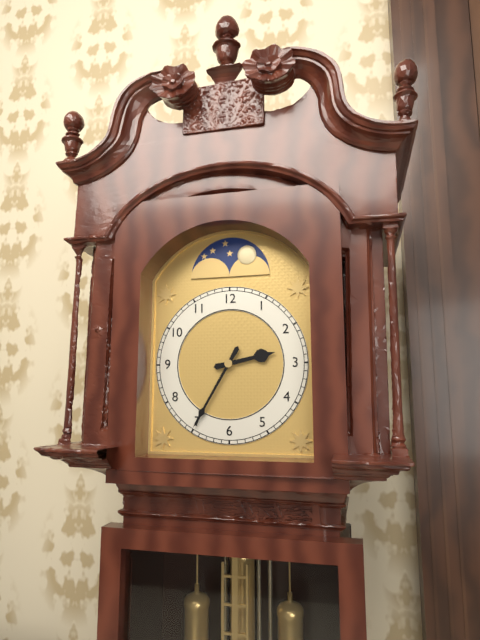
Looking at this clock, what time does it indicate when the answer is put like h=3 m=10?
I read h=2 m=35
